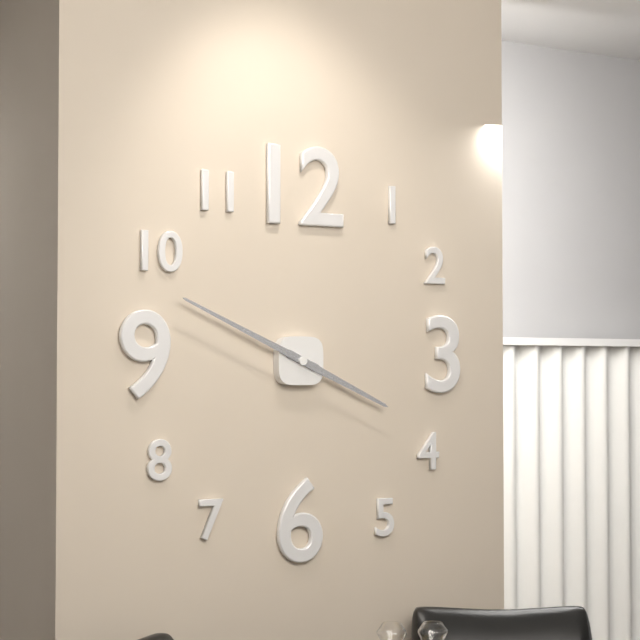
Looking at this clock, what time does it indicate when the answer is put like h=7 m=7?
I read h=3 m=49
